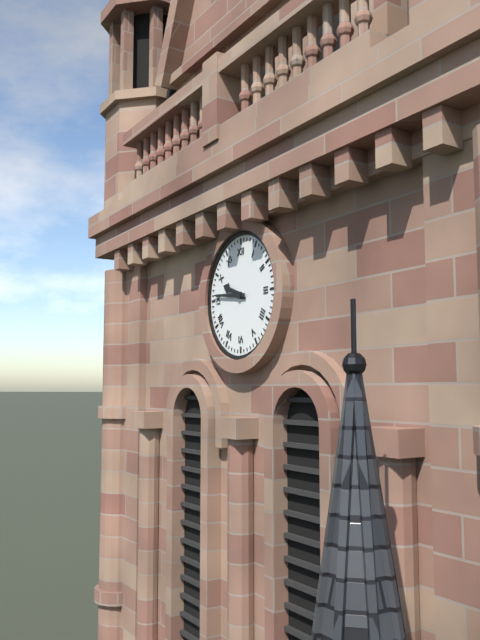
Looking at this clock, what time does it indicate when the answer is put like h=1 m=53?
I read h=9 m=46
